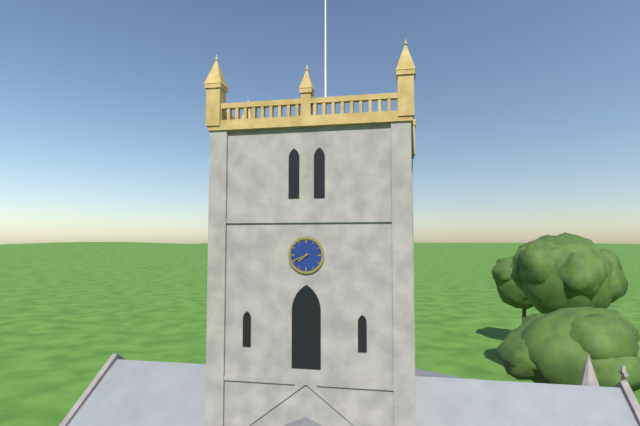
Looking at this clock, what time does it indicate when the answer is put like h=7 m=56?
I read h=7 m=41
